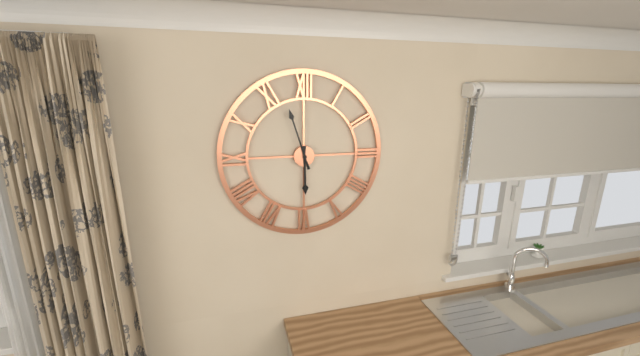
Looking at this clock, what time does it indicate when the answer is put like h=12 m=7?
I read h=5 m=57
